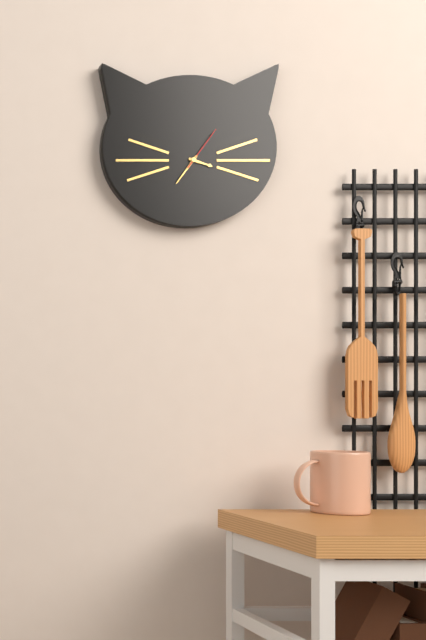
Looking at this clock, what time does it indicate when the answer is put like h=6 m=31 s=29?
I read h=3 m=36 s=6
